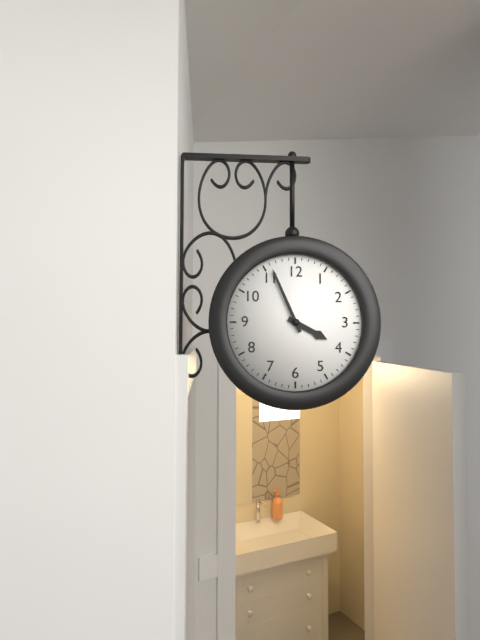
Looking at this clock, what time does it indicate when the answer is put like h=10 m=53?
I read h=3 m=56
